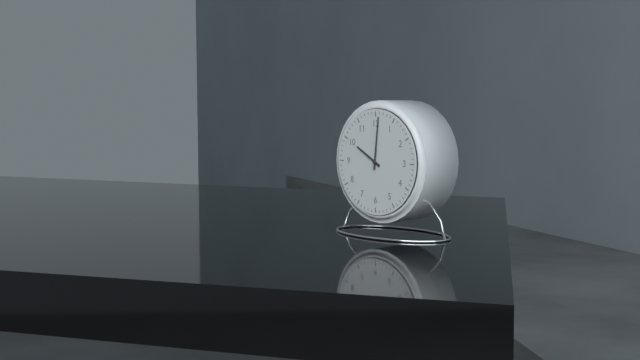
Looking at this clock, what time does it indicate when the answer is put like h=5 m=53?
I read h=10 m=1
